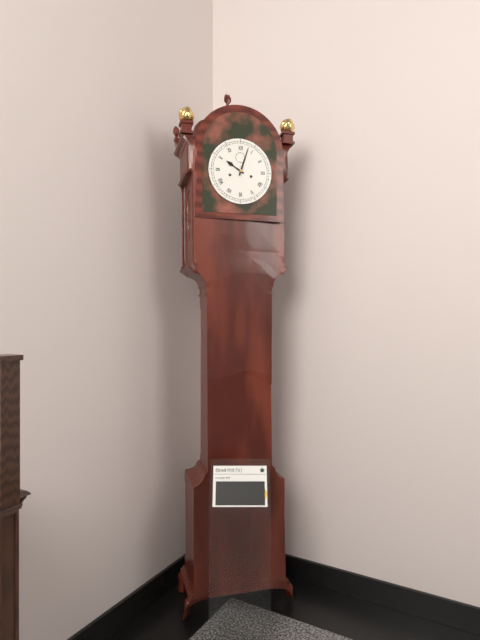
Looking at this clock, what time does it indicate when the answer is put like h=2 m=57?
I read h=10 m=3
